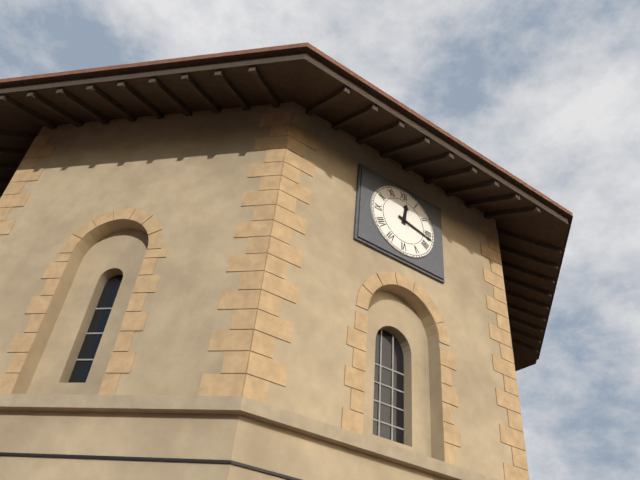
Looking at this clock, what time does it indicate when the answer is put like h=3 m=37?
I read h=12 m=17
